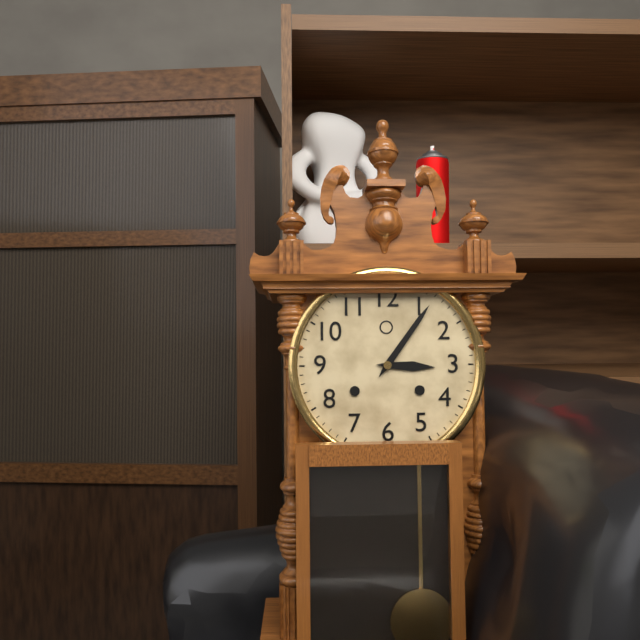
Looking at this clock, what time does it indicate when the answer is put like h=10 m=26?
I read h=3 m=6
